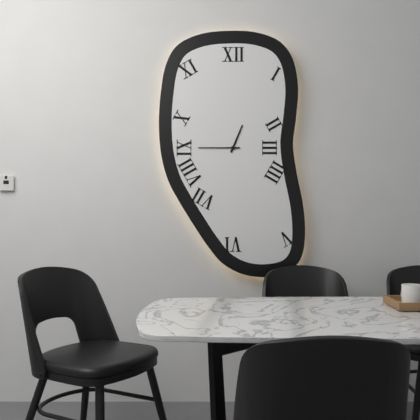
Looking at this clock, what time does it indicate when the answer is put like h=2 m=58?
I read h=12 m=45
